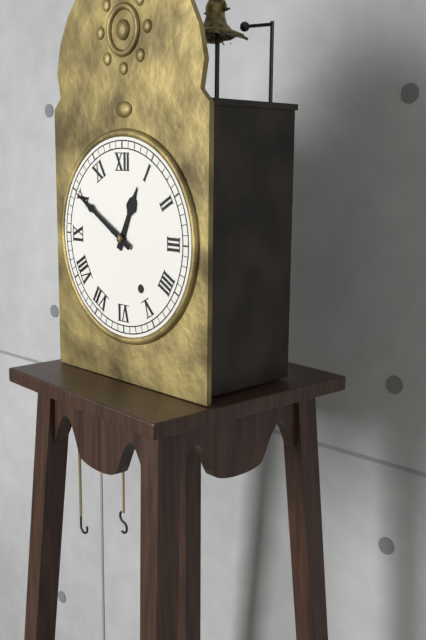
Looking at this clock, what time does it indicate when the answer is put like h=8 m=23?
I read h=12 m=50
